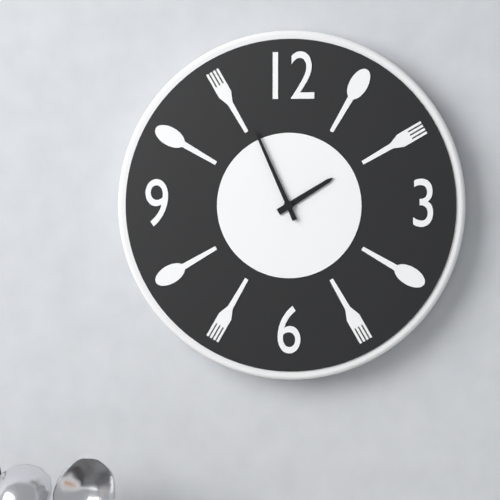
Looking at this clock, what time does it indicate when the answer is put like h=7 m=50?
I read h=1 m=56
